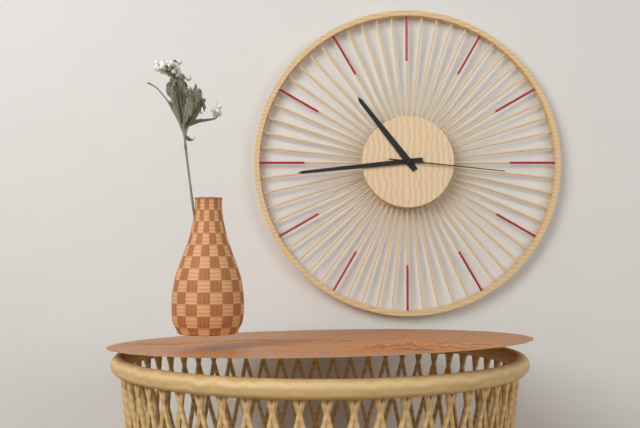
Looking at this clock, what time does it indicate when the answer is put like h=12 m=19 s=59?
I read h=10 m=44 s=16
